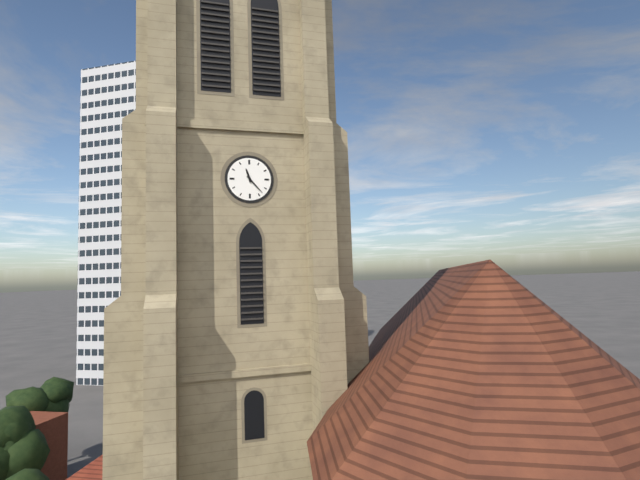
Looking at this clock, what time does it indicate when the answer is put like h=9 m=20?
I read h=11 m=23
